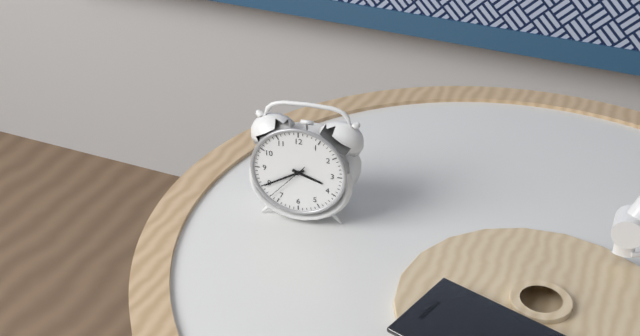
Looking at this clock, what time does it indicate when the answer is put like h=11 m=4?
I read h=3 m=40
